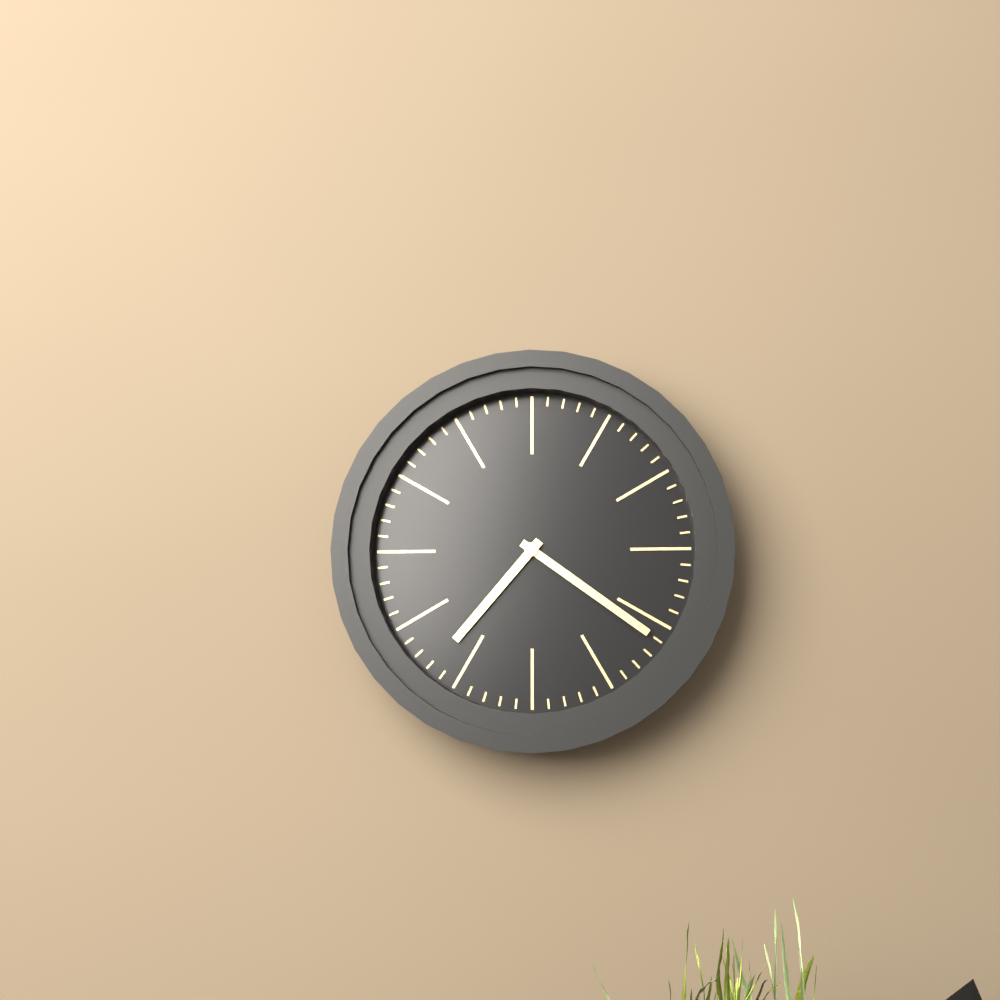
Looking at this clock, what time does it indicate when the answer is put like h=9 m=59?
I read h=7 m=21
